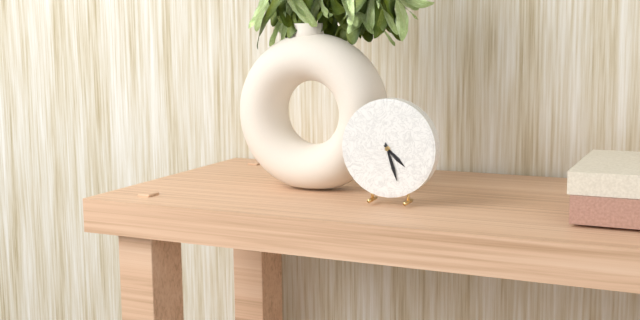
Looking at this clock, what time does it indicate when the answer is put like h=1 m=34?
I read h=4 m=27
